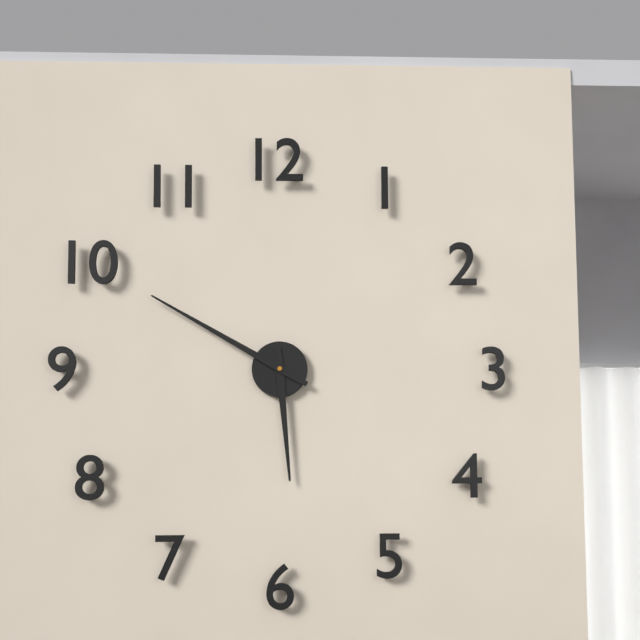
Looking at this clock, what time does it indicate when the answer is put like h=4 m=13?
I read h=5 m=50
